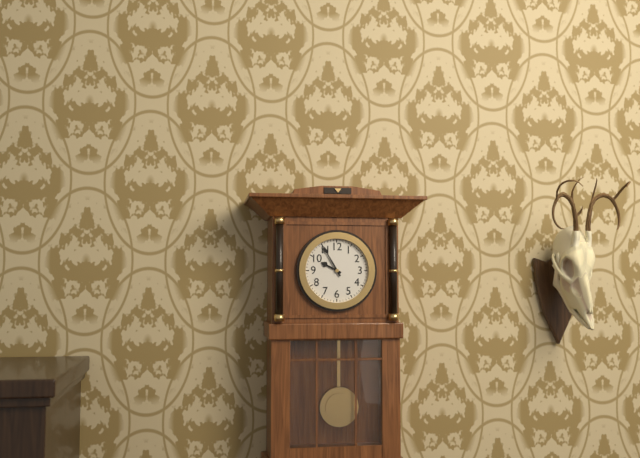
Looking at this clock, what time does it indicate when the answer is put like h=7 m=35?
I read h=9 m=55
